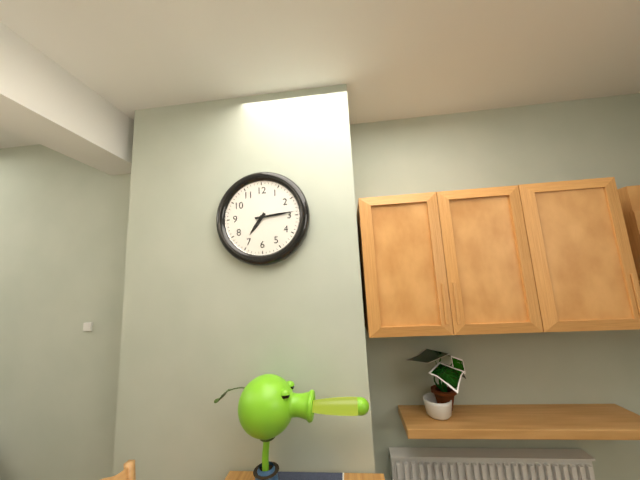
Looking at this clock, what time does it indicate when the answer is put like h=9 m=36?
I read h=7 m=14
